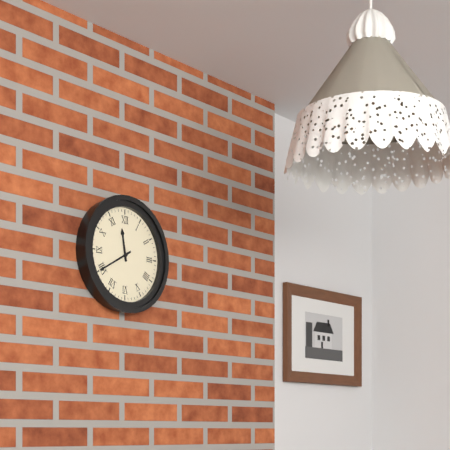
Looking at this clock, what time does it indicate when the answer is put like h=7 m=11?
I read h=11 m=40
